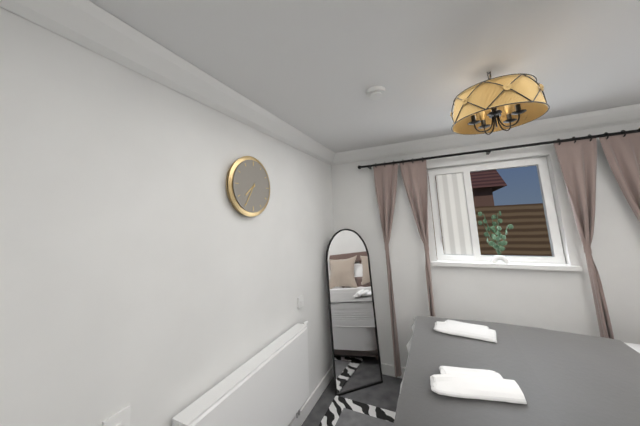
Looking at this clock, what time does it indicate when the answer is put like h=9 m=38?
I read h=7 m=35
